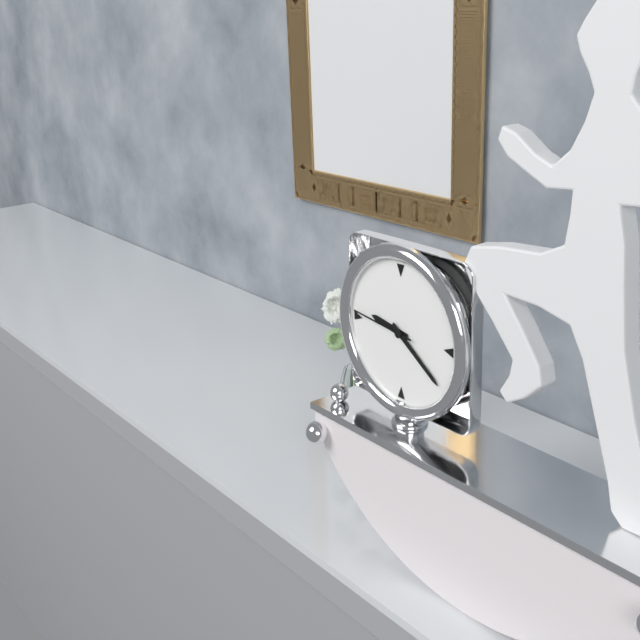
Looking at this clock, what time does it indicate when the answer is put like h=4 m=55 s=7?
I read h=9 m=21 s=46
